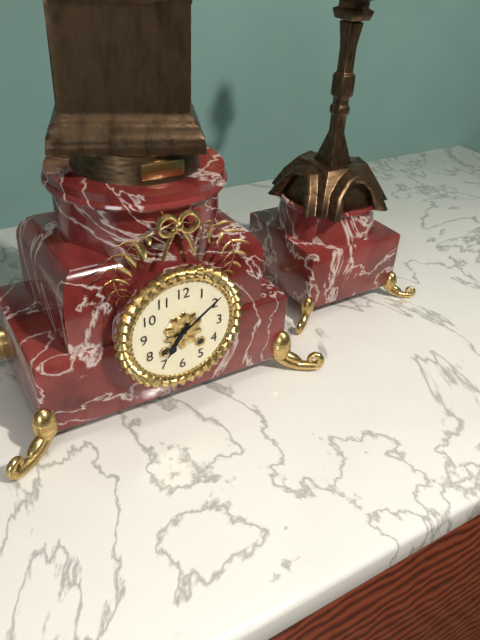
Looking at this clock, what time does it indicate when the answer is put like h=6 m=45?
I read h=7 m=9
